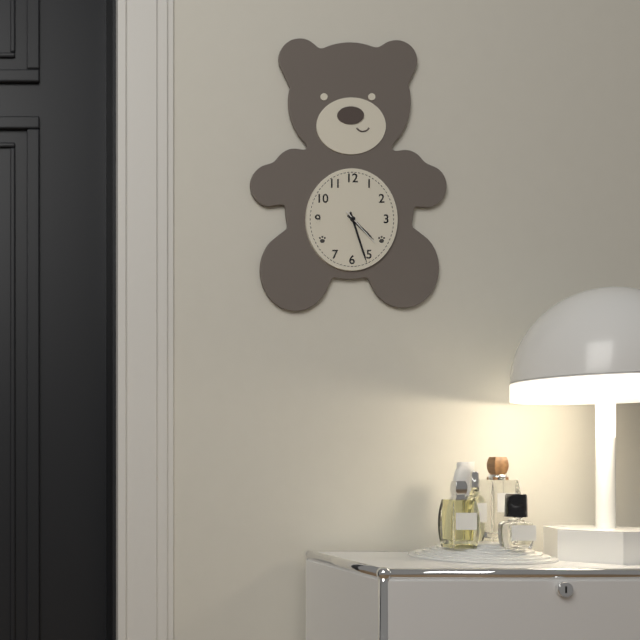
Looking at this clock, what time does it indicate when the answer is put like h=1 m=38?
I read h=4 m=27
